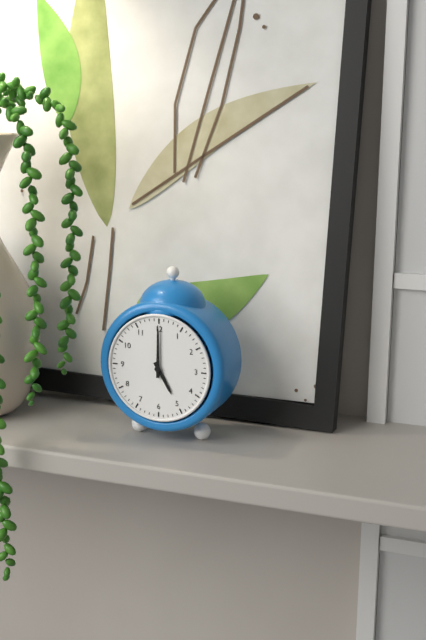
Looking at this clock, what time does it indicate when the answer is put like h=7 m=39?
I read h=5 m=0
